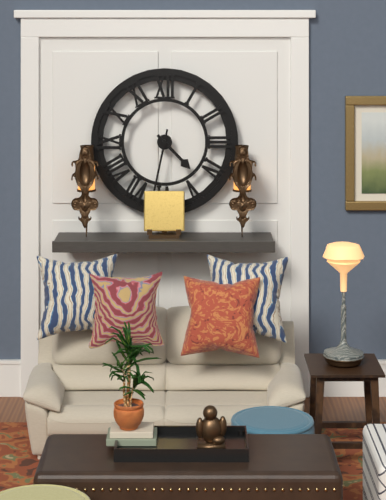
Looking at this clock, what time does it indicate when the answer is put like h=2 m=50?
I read h=4 m=32
